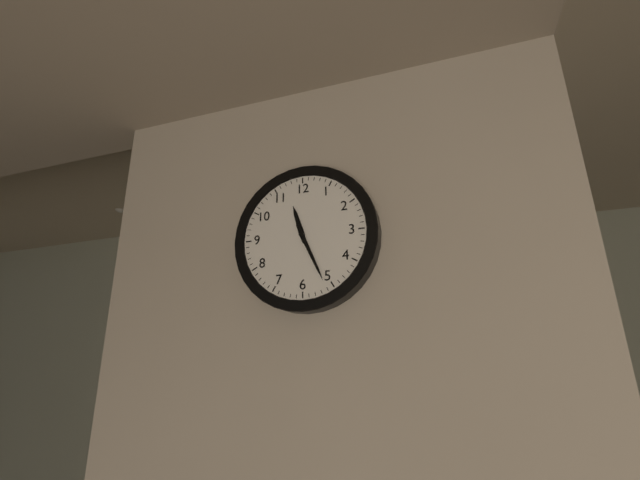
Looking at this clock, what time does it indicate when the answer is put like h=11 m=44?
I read h=11 m=26
